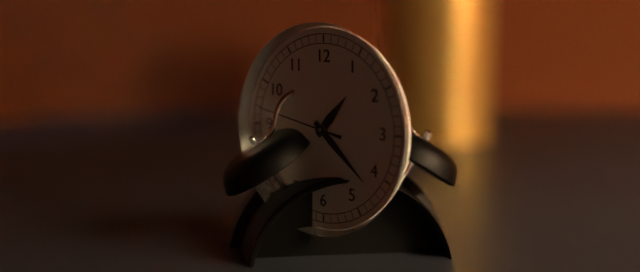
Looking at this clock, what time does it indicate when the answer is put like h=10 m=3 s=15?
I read h=1 m=22 s=47
